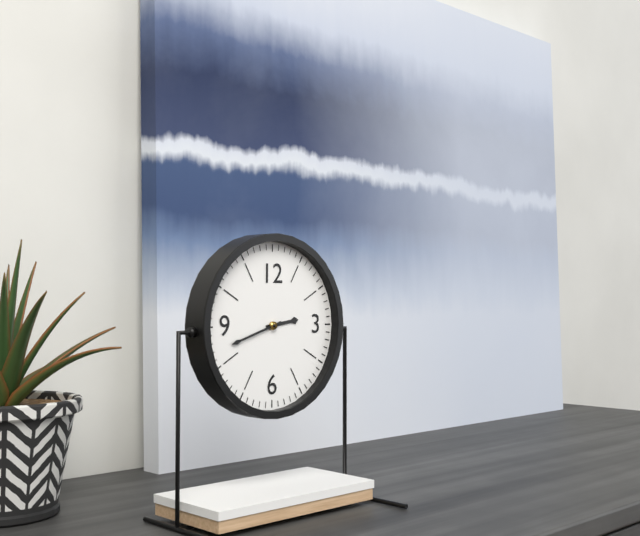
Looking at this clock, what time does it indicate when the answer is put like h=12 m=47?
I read h=2 m=42
